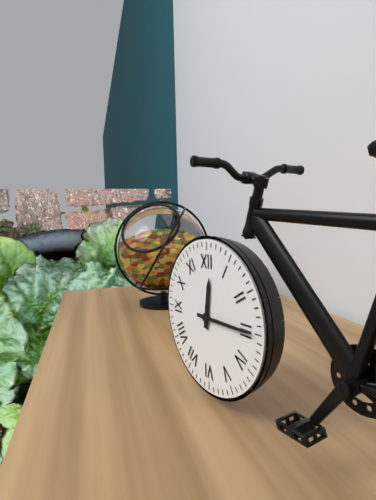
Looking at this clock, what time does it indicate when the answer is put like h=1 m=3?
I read h=12 m=15
